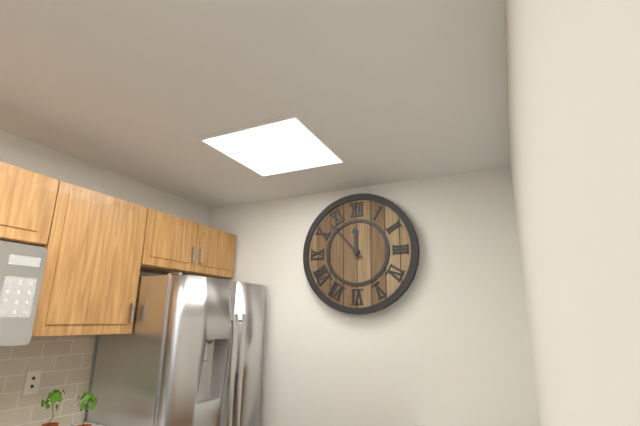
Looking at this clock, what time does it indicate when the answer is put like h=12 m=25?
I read h=11 m=53
